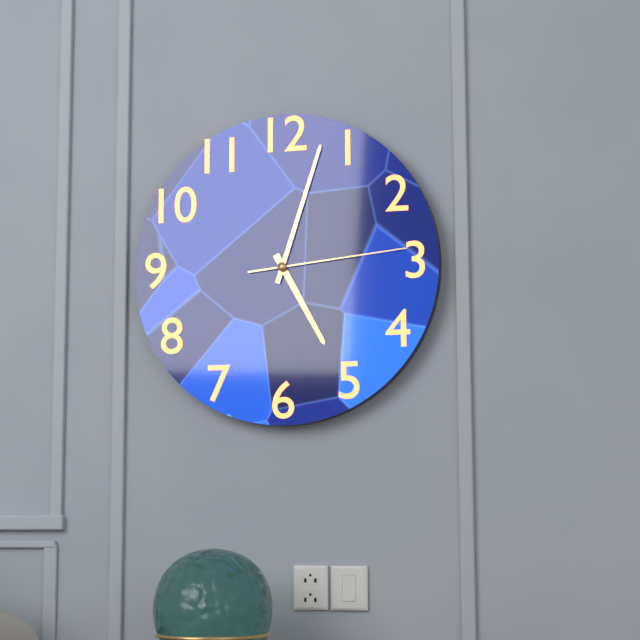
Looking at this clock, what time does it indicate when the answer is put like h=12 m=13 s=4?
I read h=5 m=3 s=14
